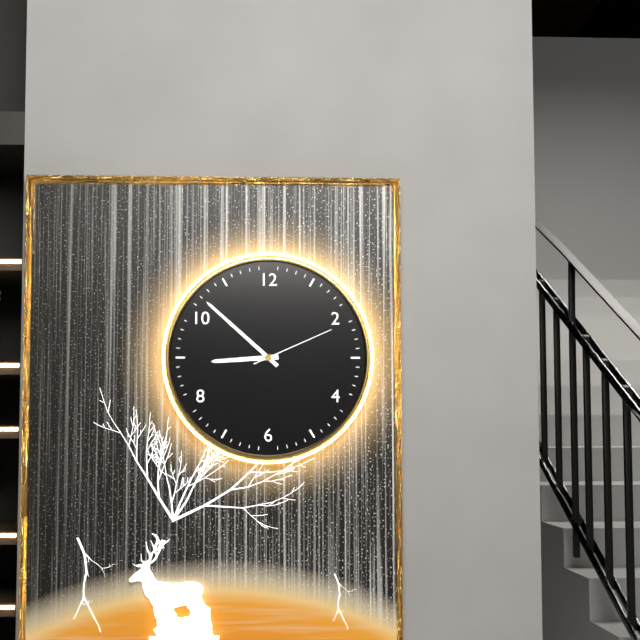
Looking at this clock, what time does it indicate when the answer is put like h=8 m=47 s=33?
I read h=8 m=52 s=11
